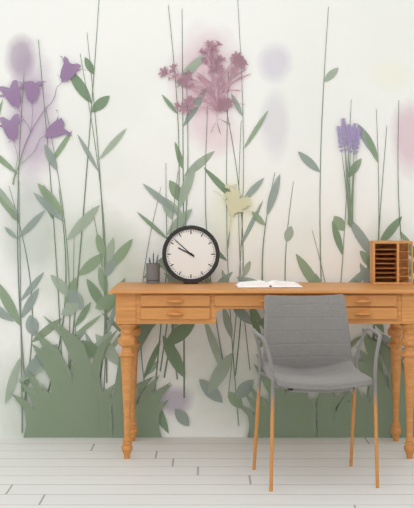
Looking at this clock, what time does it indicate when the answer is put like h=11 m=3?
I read h=9 m=52
